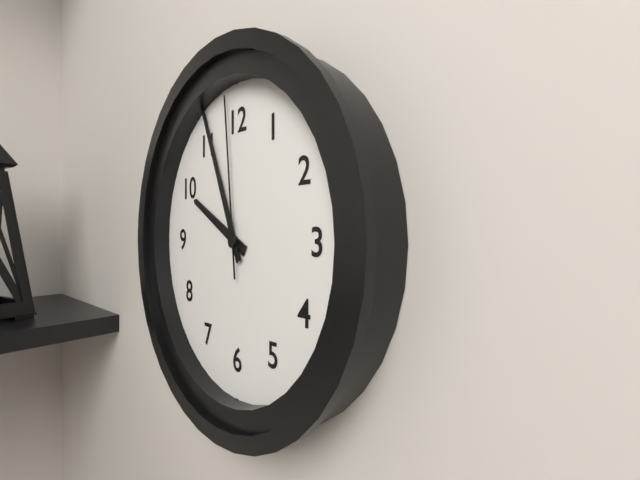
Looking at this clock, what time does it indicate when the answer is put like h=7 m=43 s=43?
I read h=9 m=56 s=59
